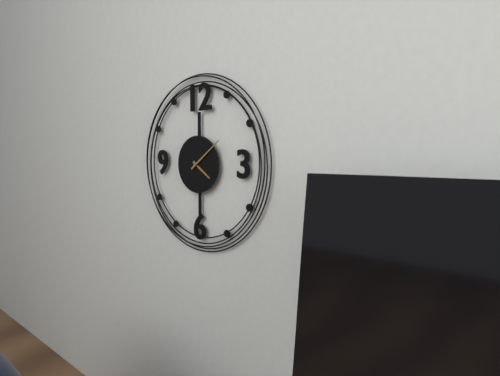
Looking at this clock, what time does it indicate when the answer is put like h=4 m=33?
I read h=4 m=9
